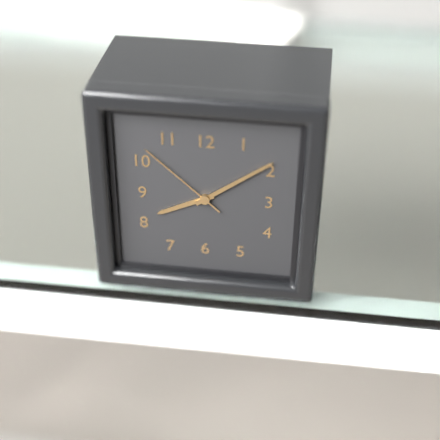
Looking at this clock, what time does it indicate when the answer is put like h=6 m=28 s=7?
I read h=8 m=9 s=52
